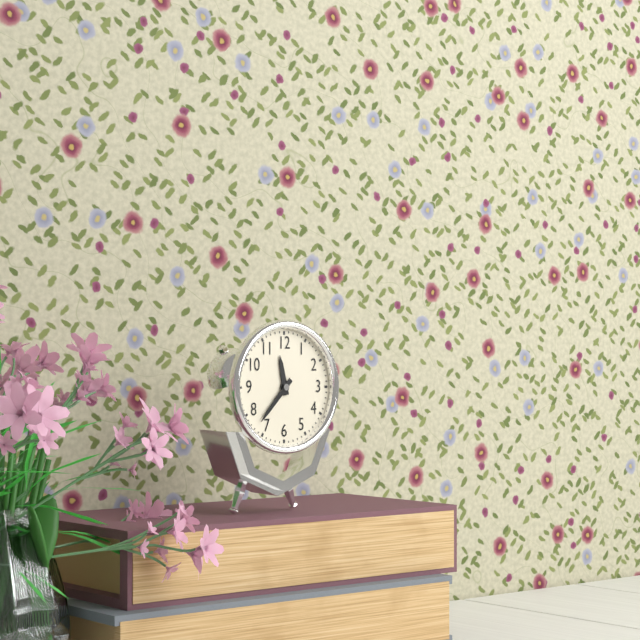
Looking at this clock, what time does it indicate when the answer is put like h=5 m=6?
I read h=11 m=37
